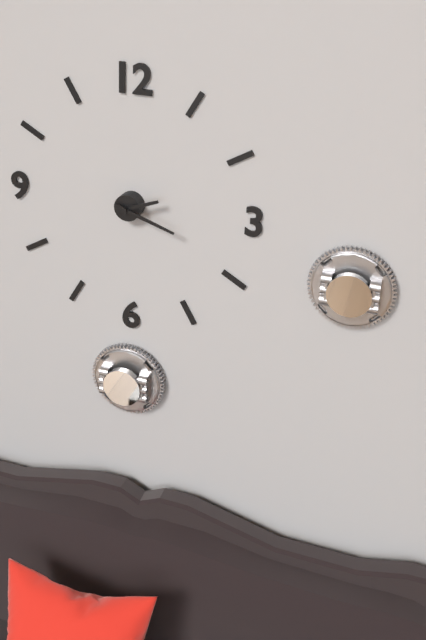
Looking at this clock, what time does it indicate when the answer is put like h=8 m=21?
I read h=2 m=18
